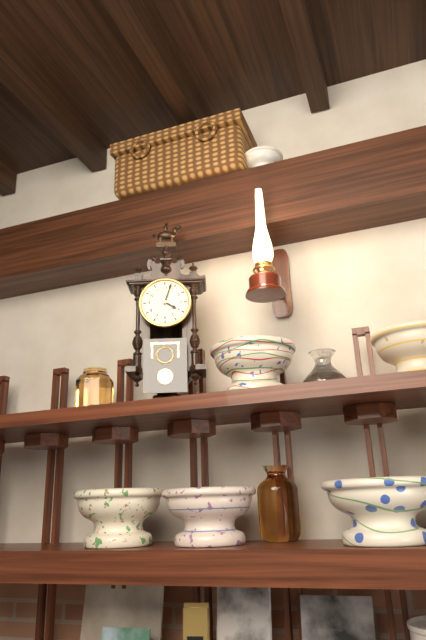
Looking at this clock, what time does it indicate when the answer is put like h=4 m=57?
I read h=4 m=3
